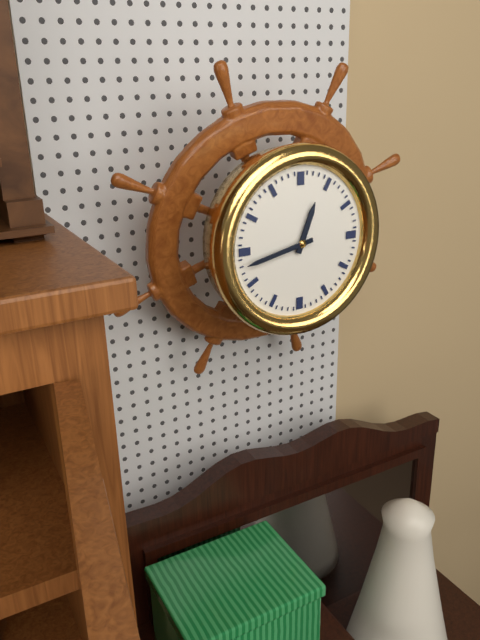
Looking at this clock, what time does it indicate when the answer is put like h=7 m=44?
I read h=12 m=43
